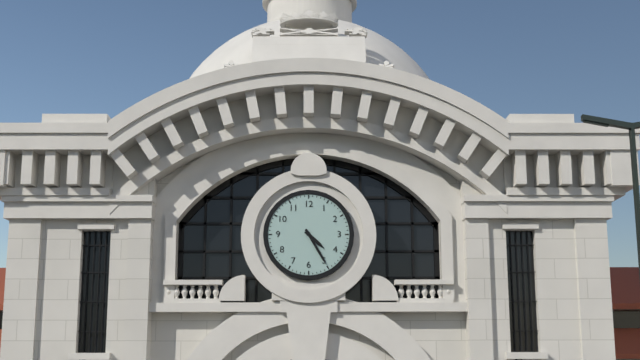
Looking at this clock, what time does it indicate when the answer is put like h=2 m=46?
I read h=4 m=25
